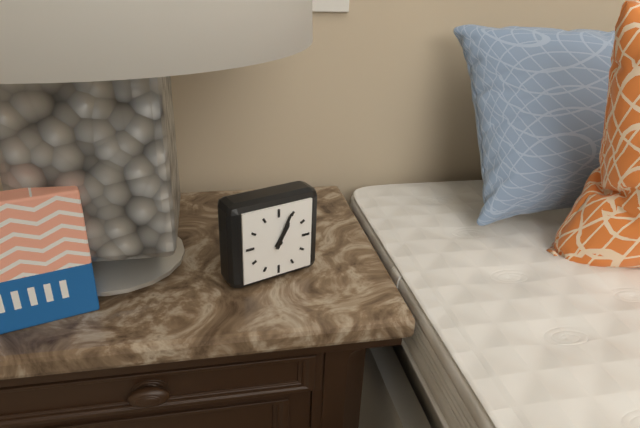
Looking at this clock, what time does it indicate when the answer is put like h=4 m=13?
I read h=1 m=4
